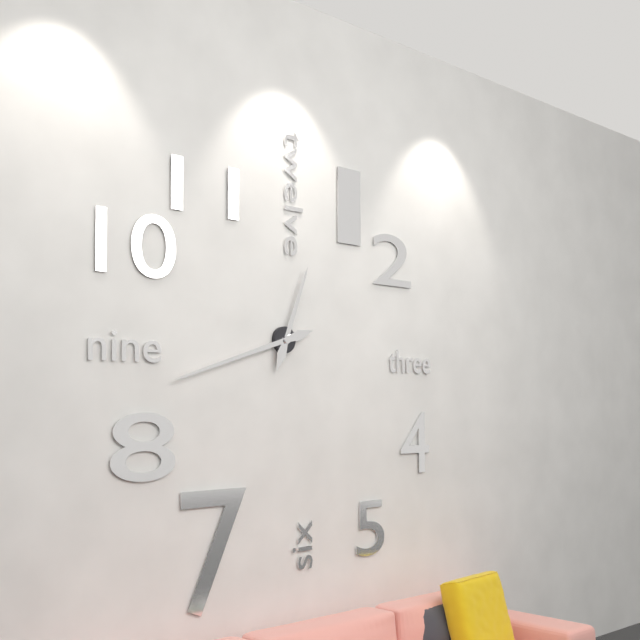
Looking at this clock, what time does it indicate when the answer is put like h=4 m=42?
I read h=12 m=42
